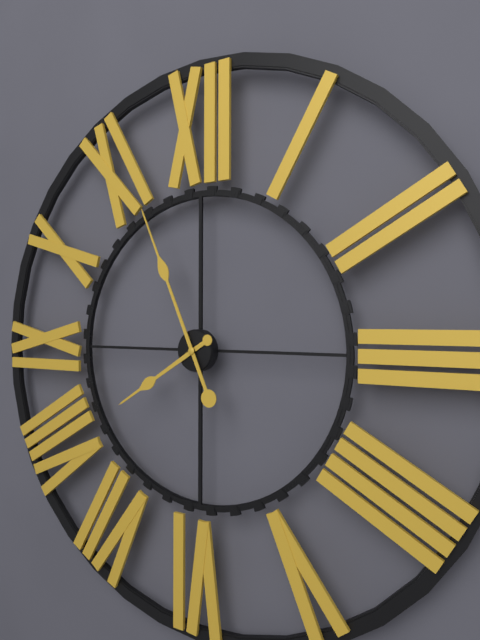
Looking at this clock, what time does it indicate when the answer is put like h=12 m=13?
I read h=7 m=56
